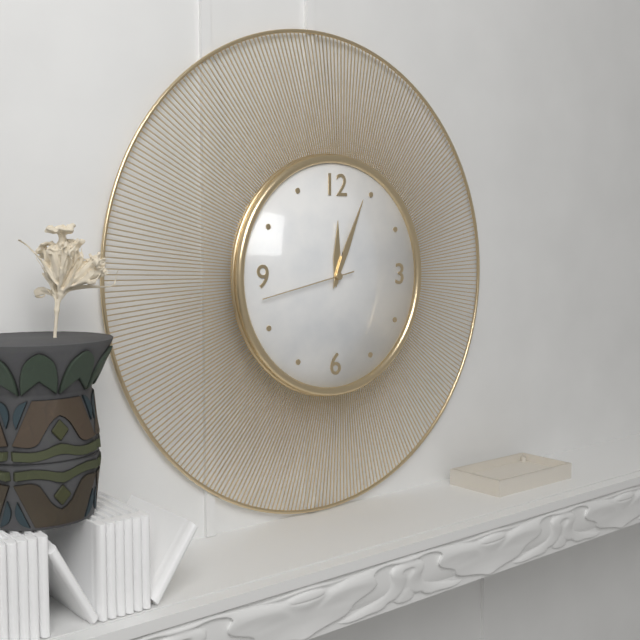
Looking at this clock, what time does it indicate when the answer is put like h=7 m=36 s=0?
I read h=12 m=4 s=43
